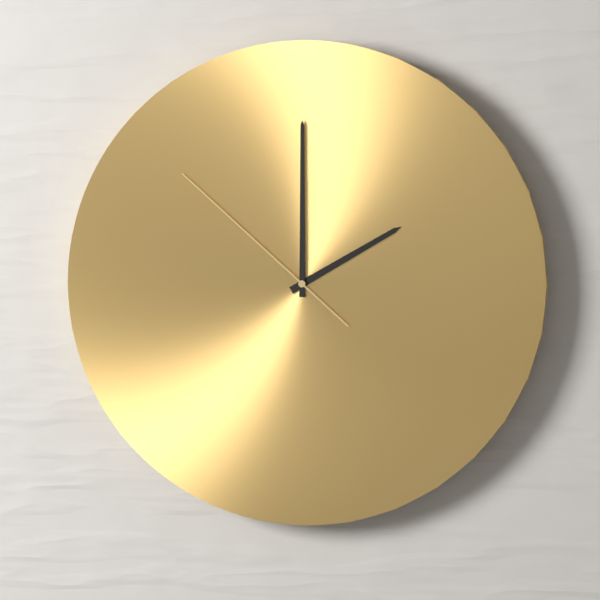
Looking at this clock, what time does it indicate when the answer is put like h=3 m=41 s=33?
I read h=2 m=0 s=52
